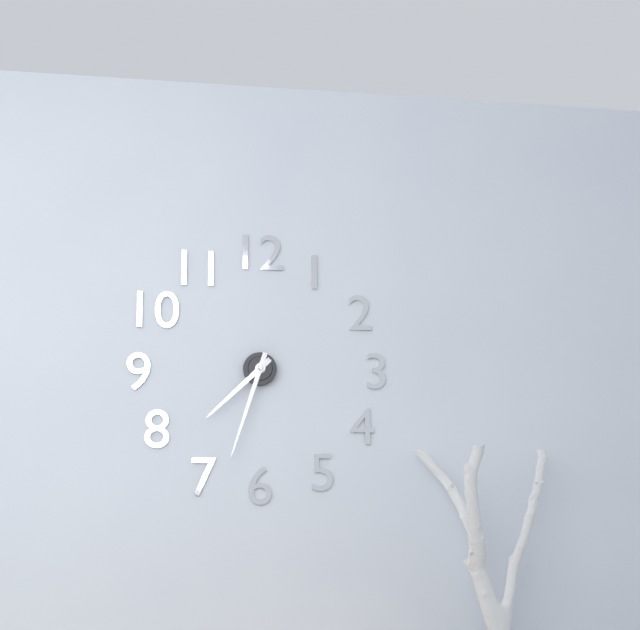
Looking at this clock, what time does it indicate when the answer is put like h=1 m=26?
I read h=7 m=33
